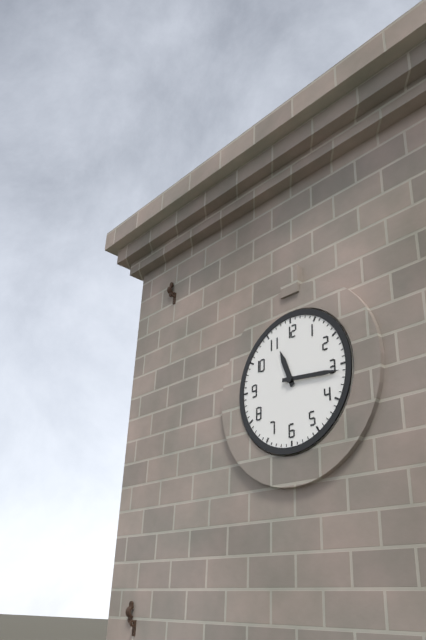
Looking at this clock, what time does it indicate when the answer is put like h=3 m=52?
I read h=11 m=16
